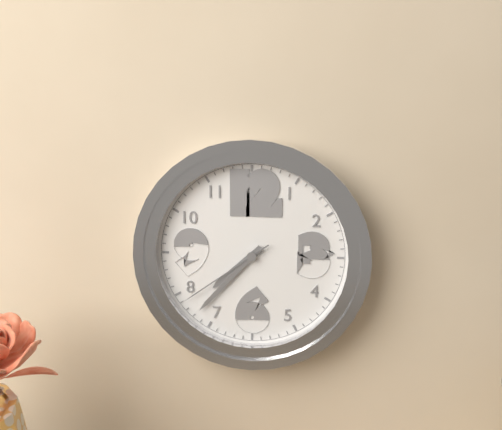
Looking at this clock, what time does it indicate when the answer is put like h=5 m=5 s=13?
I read h=7 m=37 s=39
